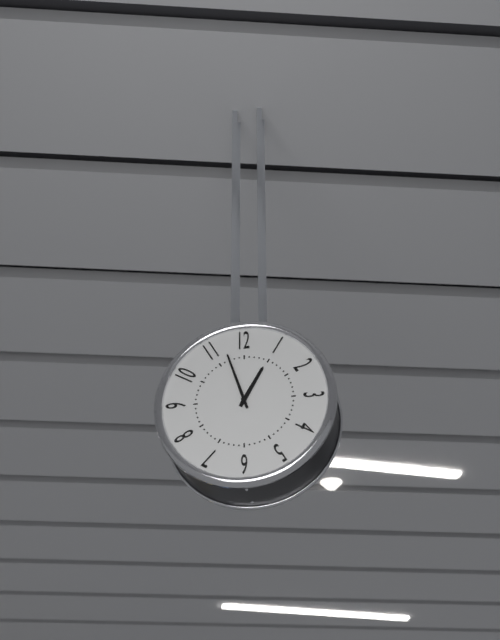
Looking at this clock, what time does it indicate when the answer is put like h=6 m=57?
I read h=12 m=57
